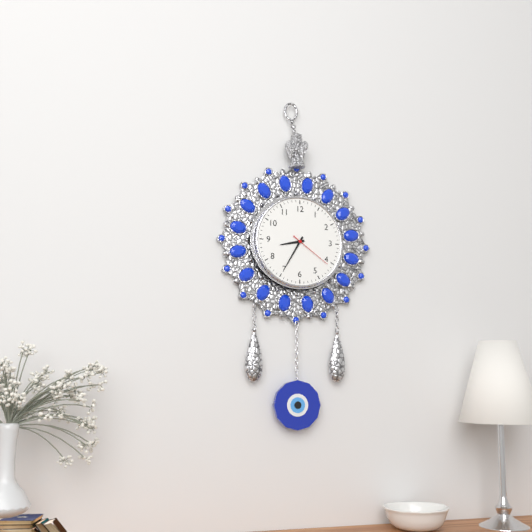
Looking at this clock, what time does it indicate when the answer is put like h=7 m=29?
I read h=8 m=35
